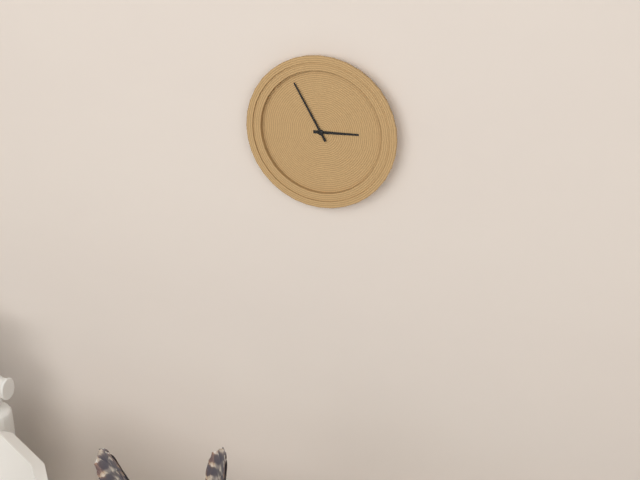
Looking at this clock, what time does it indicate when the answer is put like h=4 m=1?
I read h=2 m=55
